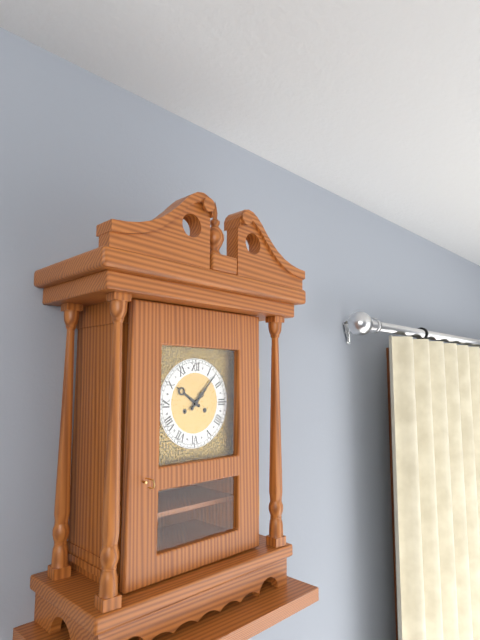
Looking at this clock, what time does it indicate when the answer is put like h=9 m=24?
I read h=10 m=7
